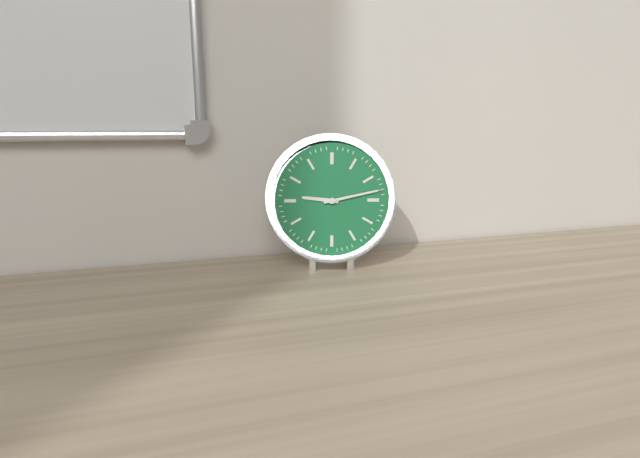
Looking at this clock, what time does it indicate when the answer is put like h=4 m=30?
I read h=9 m=13
